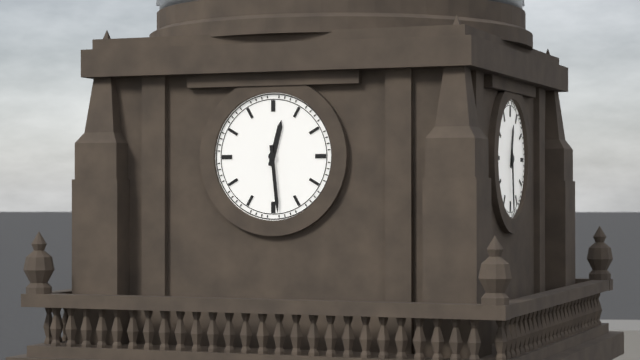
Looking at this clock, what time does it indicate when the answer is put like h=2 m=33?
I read h=12 m=29
